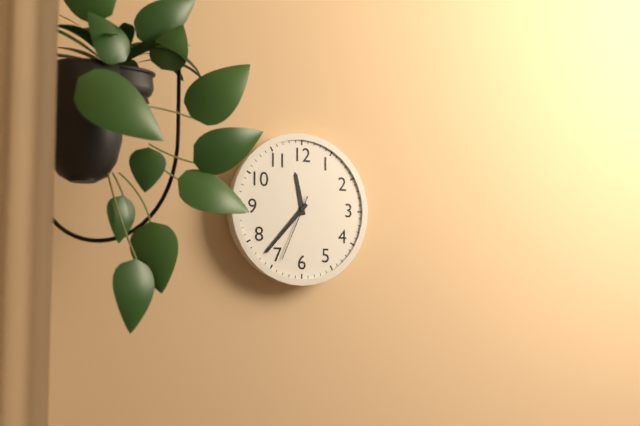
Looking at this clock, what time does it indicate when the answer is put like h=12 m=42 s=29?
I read h=11 m=37 s=34
